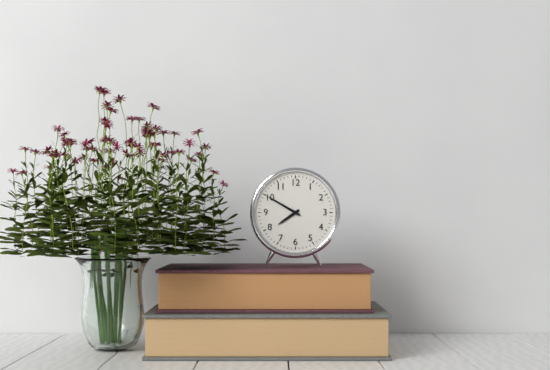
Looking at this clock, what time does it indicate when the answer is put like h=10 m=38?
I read h=7 m=50
